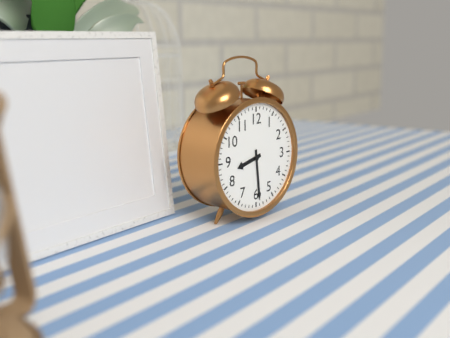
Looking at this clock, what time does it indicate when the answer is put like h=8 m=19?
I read h=8 m=29
